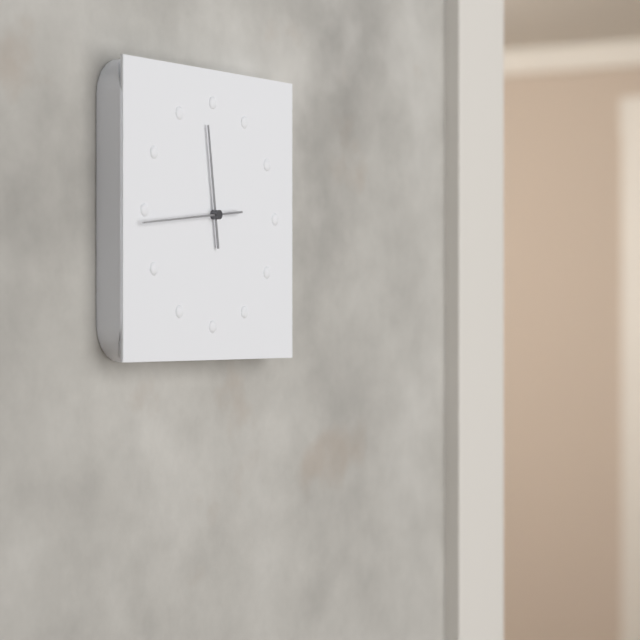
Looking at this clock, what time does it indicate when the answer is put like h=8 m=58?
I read h=11 m=44
